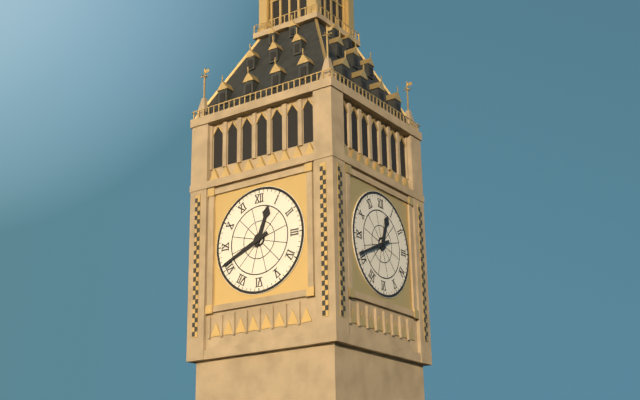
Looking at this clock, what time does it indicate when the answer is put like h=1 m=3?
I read h=12 m=41
